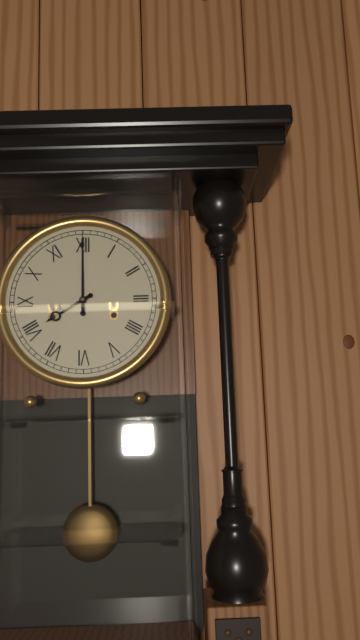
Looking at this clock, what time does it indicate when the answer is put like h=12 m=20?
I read h=8 m=0
